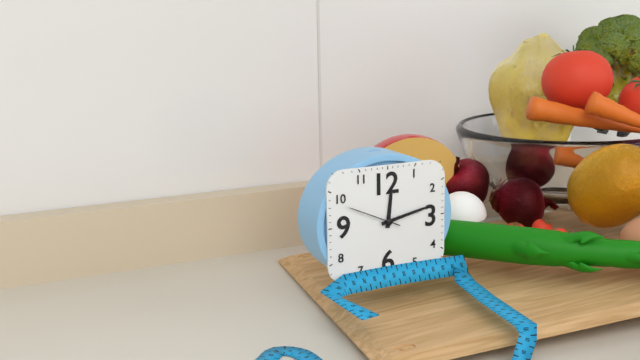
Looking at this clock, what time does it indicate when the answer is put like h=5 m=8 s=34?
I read h=12 m=13 s=49
